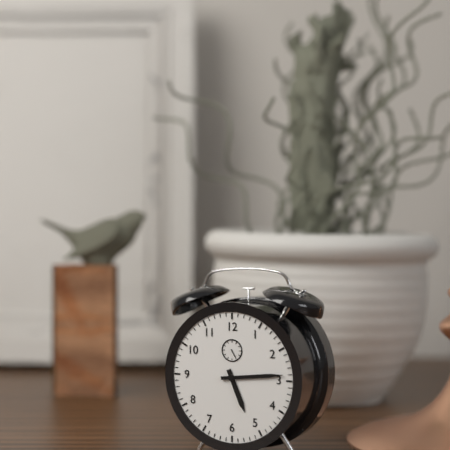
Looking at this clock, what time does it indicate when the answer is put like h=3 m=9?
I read h=5 m=14
